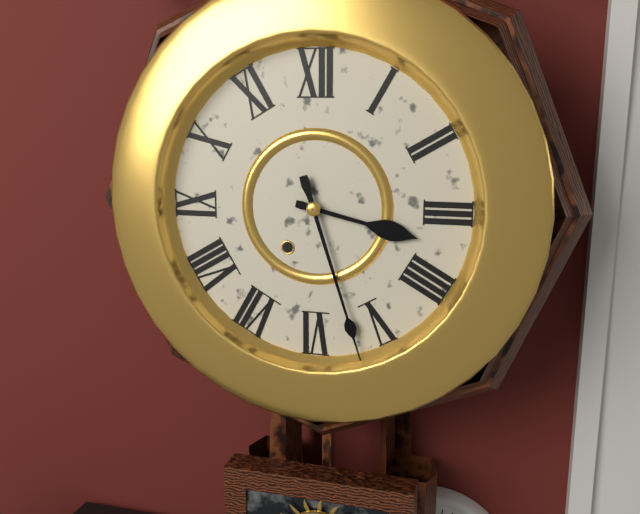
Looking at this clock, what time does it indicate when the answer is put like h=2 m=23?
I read h=3 m=27
